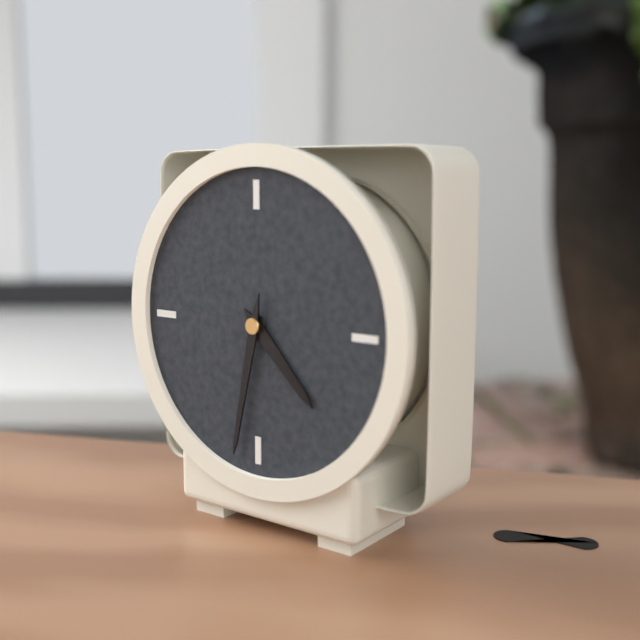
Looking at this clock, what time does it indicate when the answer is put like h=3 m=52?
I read h=4 m=32
